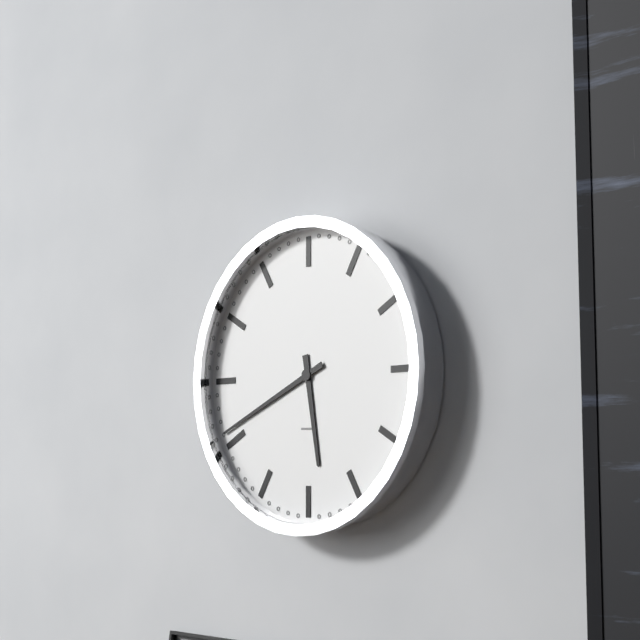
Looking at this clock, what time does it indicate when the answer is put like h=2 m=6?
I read h=5 m=41
